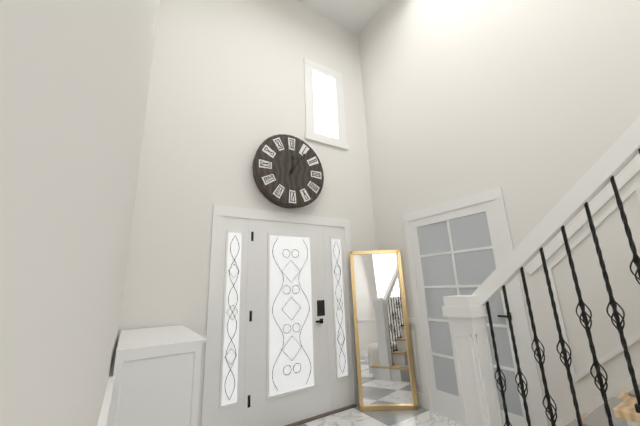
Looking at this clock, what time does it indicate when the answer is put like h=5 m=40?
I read h=12 m=6
